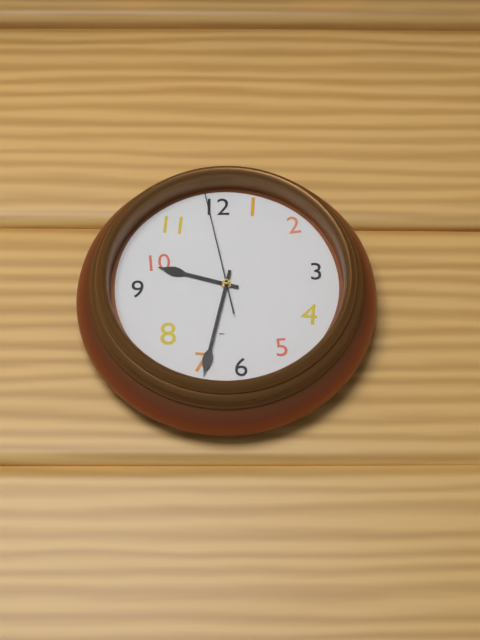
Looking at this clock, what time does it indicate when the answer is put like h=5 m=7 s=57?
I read h=9 m=32 s=58
